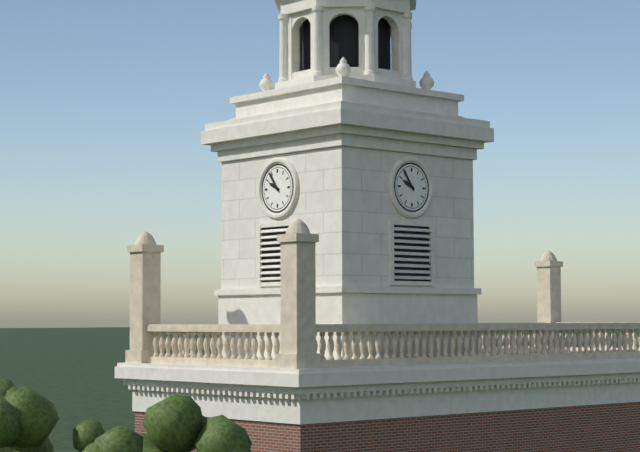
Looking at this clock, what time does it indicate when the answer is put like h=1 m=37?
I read h=9 m=54
